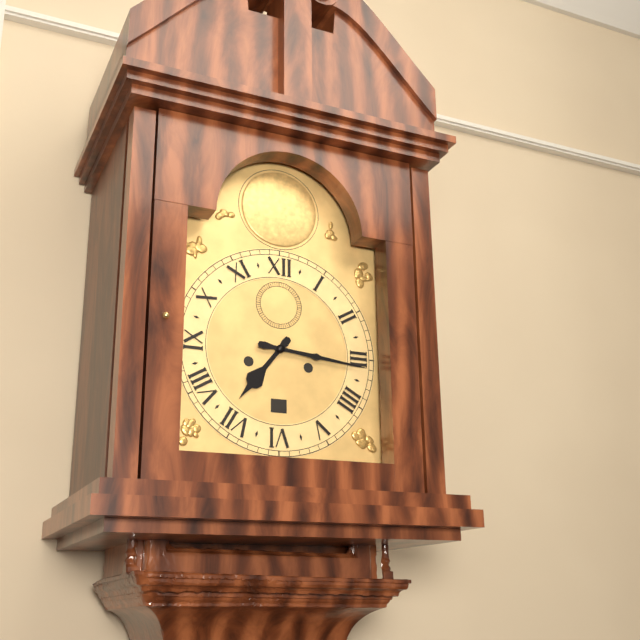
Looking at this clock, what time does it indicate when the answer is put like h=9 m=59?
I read h=7 m=16
